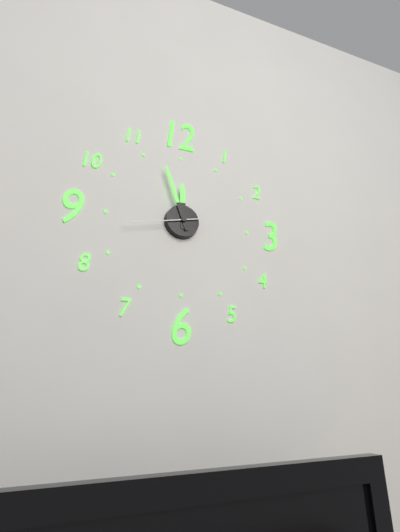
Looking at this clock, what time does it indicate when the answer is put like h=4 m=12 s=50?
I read h=11 m=57 s=43
